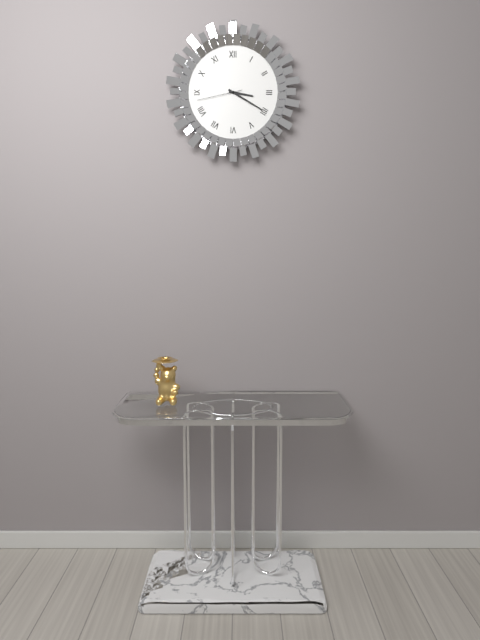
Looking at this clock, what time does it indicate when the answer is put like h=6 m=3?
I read h=3 m=20
